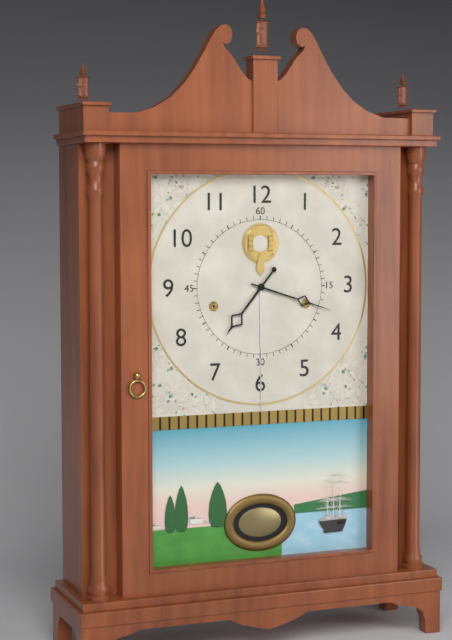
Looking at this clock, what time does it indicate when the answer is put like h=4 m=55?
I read h=7 m=18
